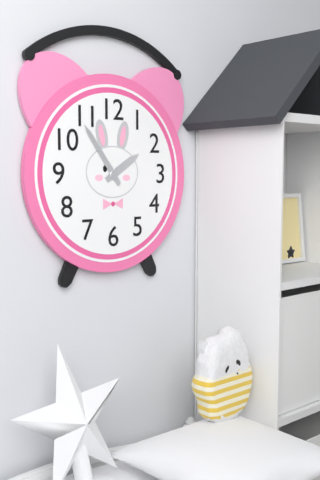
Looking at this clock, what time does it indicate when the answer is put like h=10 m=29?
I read h=1 m=54
